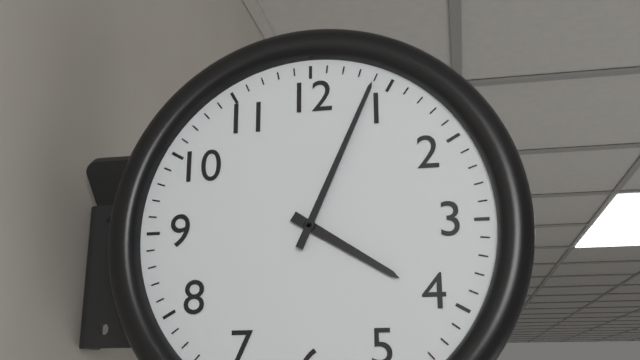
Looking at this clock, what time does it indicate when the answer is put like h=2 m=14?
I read h=4 m=4
